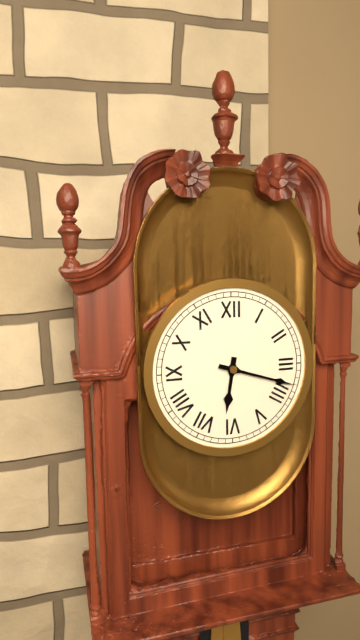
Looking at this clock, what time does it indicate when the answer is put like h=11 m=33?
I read h=6 m=18
